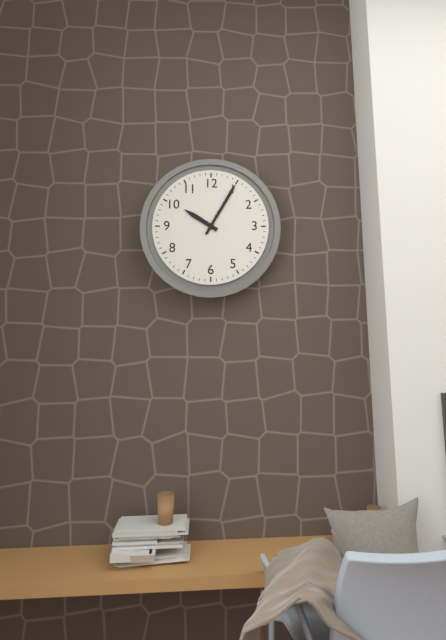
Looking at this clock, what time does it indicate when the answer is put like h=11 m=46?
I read h=10 m=5
